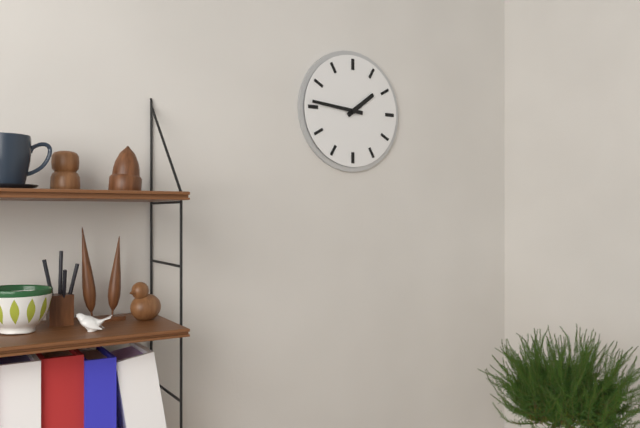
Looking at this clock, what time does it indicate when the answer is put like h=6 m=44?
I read h=1 m=46
